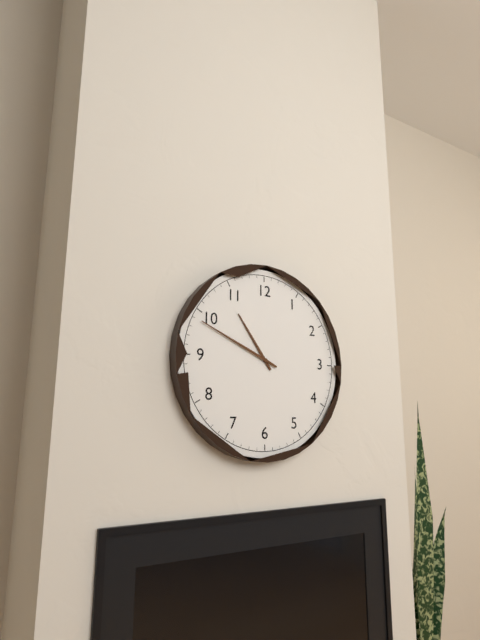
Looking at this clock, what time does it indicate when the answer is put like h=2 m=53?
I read h=10 m=49
